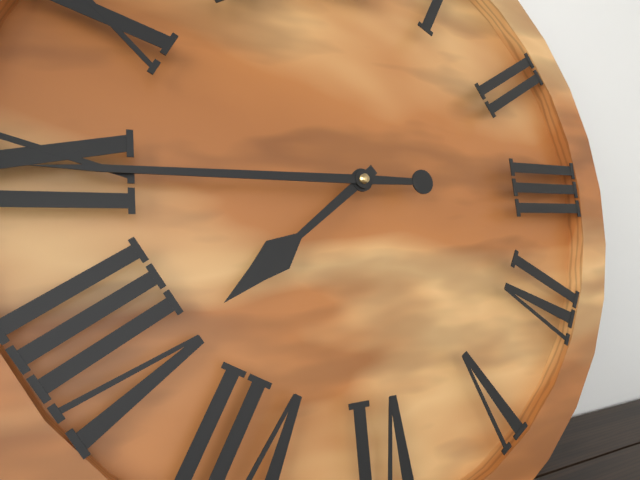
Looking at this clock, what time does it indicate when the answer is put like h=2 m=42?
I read h=7 m=45
